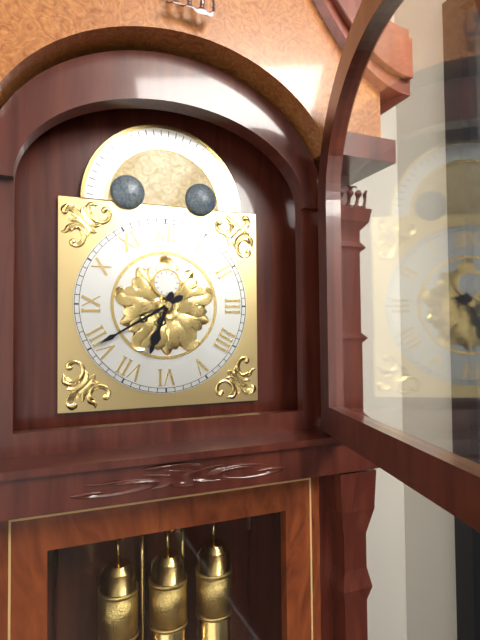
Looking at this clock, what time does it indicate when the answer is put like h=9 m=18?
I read h=6 m=40
